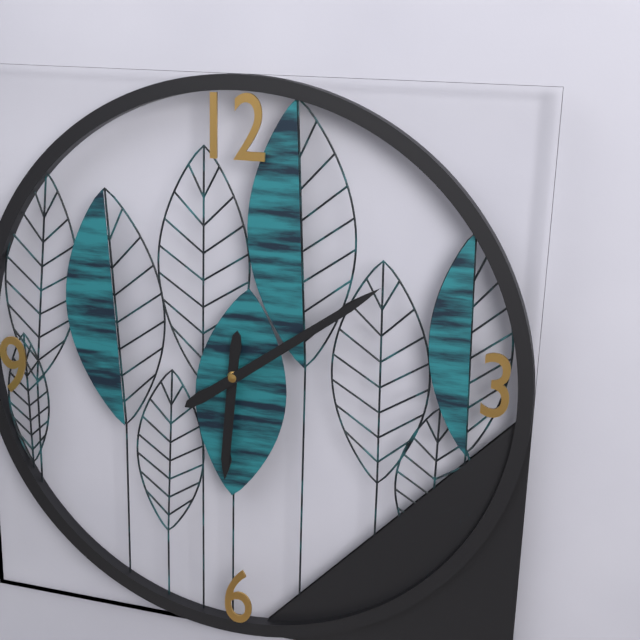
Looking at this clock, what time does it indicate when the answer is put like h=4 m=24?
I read h=6 m=9
